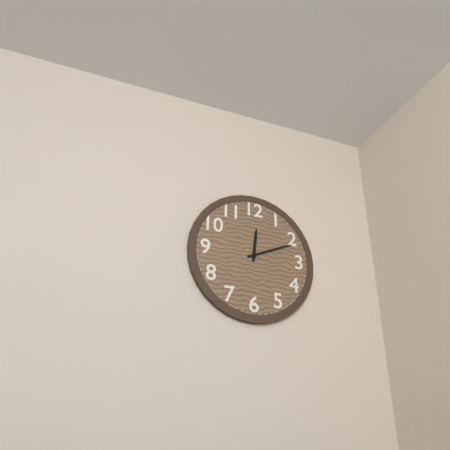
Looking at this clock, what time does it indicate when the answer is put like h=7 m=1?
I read h=12 m=11
